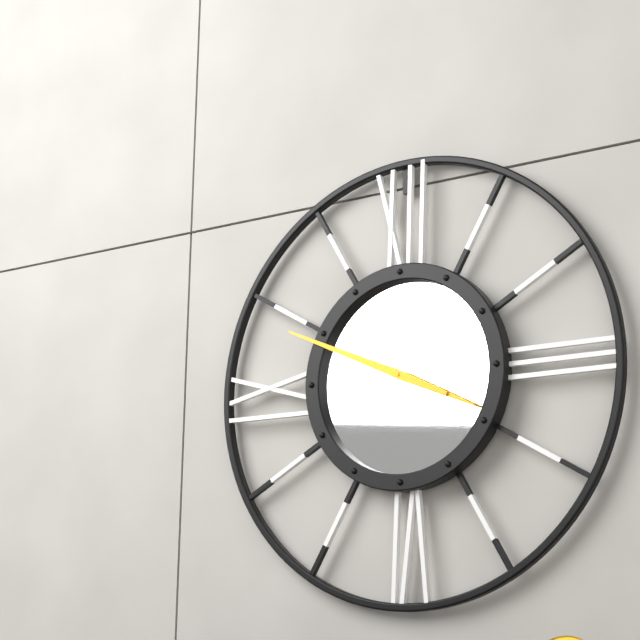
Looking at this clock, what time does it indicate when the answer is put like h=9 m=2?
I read h=3 m=49
